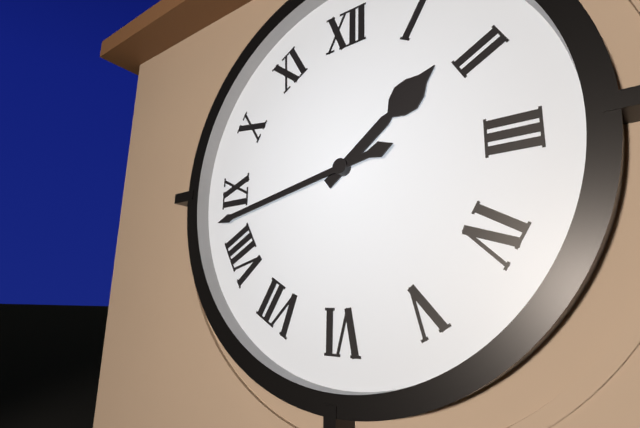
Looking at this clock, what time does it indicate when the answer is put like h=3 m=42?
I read h=1 m=43
